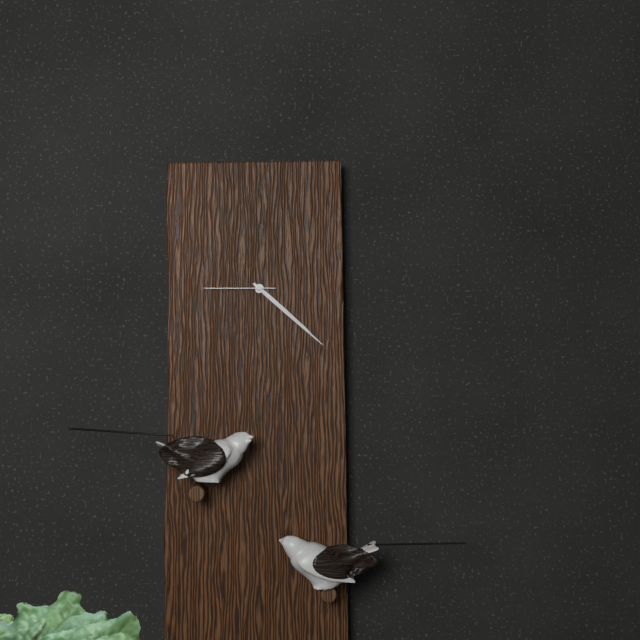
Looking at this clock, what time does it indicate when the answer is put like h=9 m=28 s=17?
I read h=4 m=22 s=45
